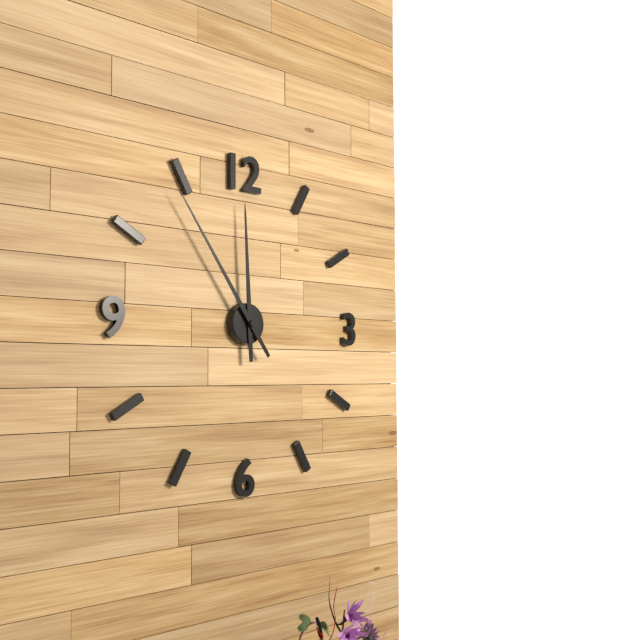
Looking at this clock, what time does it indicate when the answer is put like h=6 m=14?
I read h=11 m=54
